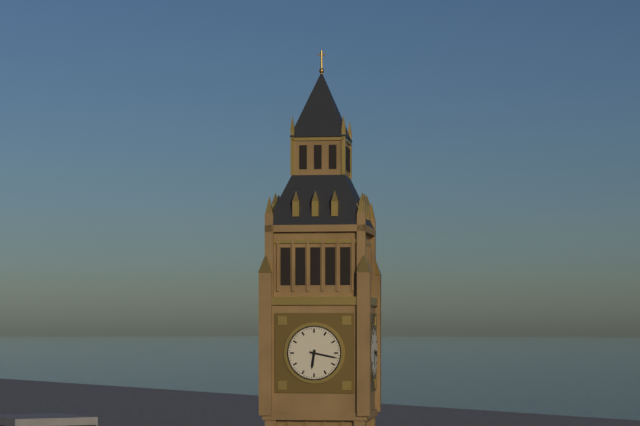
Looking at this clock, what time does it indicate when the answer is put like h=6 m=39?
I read h=6 m=17
